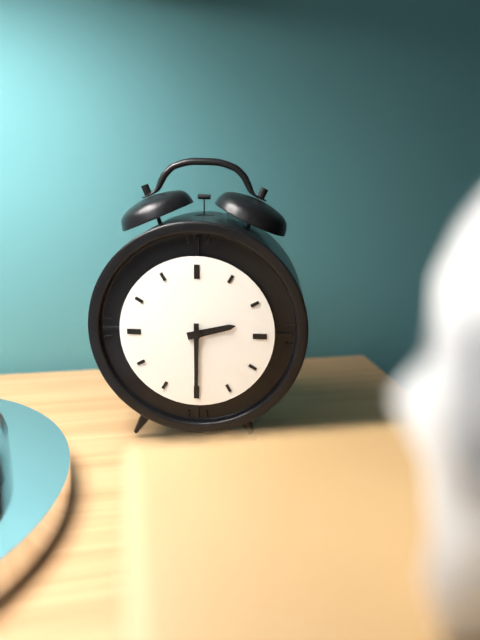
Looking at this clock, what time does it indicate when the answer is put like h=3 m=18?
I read h=2 m=30
